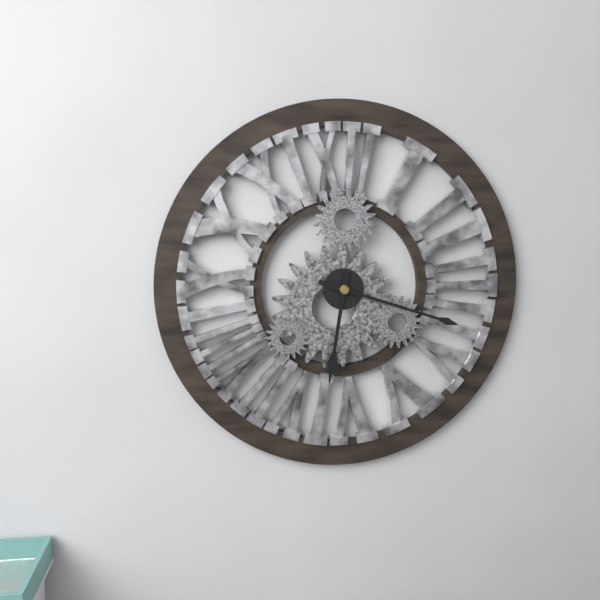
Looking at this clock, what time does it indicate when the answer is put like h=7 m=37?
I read h=6 m=18
